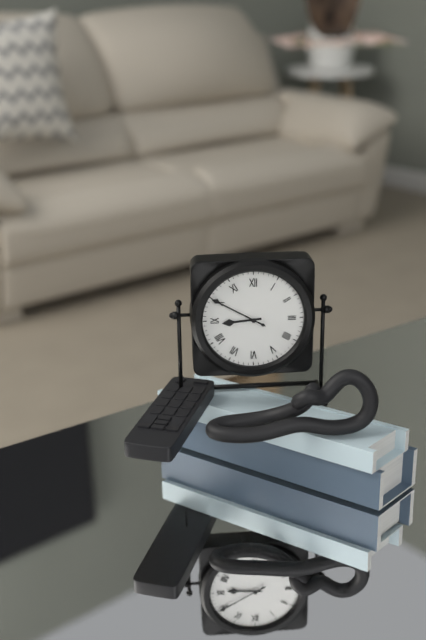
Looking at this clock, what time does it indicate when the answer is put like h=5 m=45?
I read h=8 m=50
